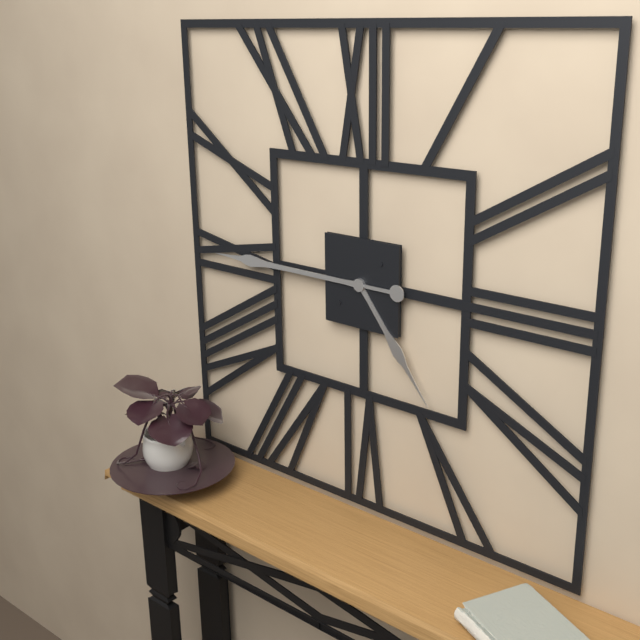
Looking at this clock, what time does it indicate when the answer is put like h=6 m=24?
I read h=4 m=45
